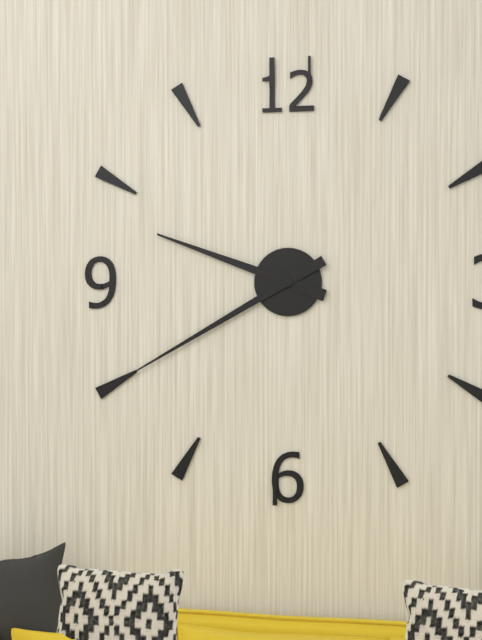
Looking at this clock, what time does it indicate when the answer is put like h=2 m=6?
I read h=9 m=40
